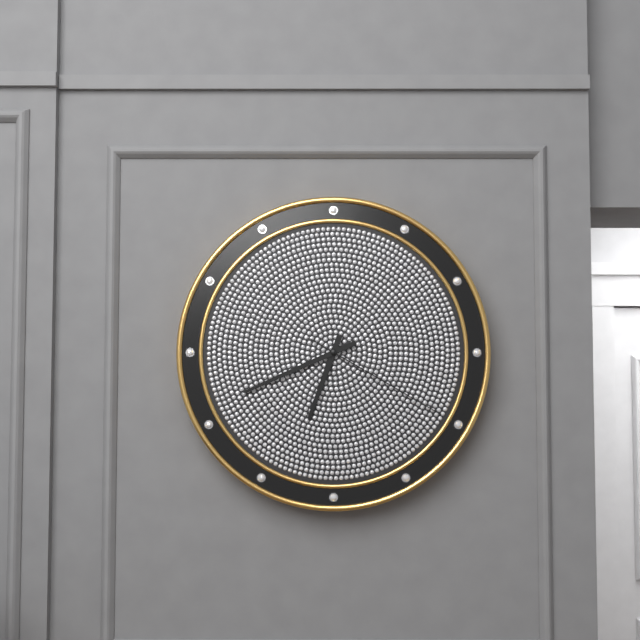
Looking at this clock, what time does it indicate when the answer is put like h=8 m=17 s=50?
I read h=6 m=41 s=20
